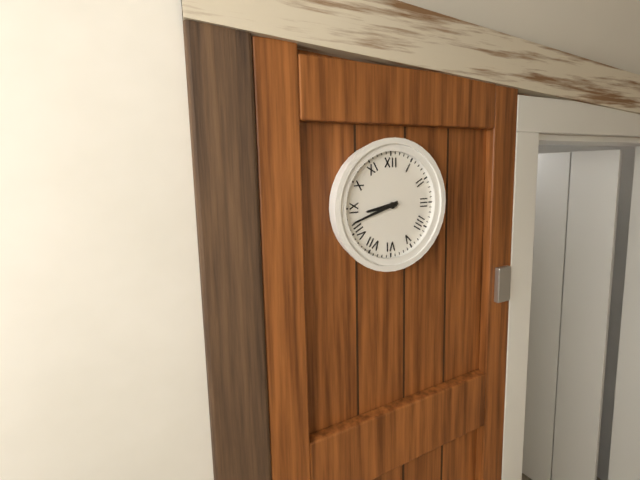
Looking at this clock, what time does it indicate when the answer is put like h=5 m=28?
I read h=8 m=42
